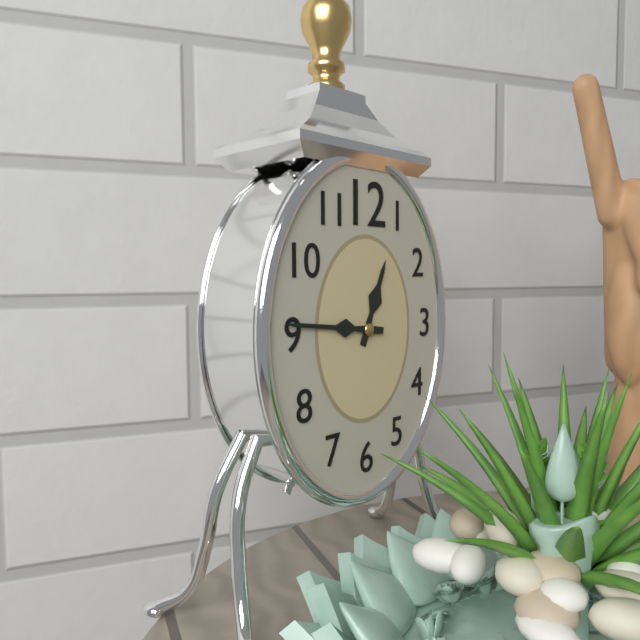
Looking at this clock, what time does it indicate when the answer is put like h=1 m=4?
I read h=12 m=46
